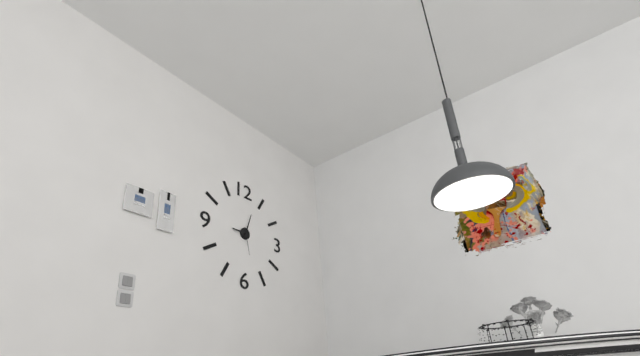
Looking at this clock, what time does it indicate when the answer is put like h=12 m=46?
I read h=9 m=3
